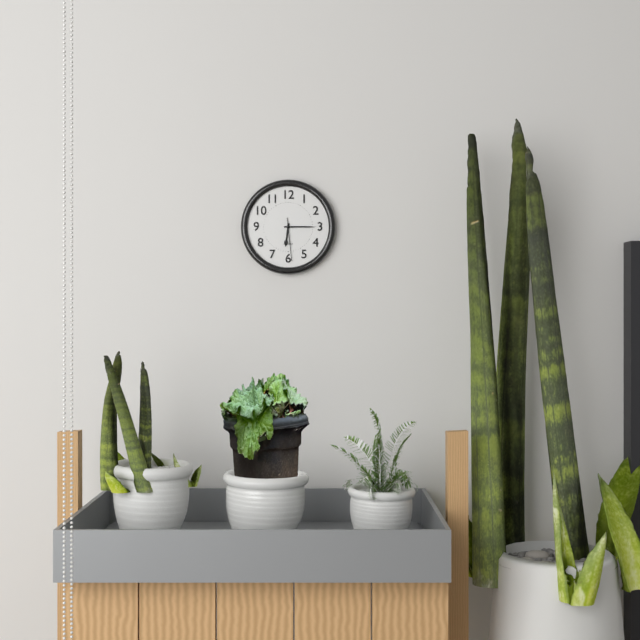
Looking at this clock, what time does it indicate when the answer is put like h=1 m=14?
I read h=6 m=15
